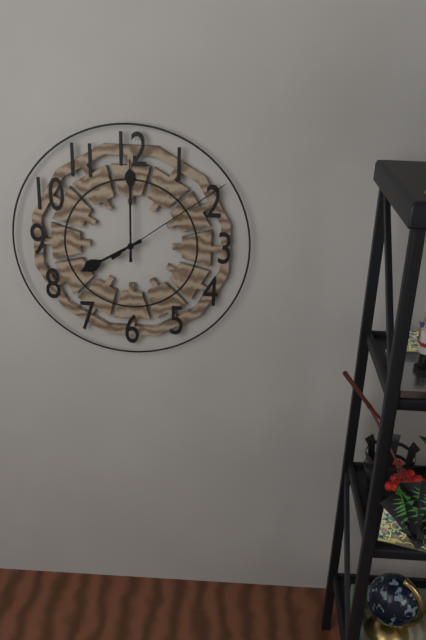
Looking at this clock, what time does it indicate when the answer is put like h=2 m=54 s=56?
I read h=8 m=0 s=9
